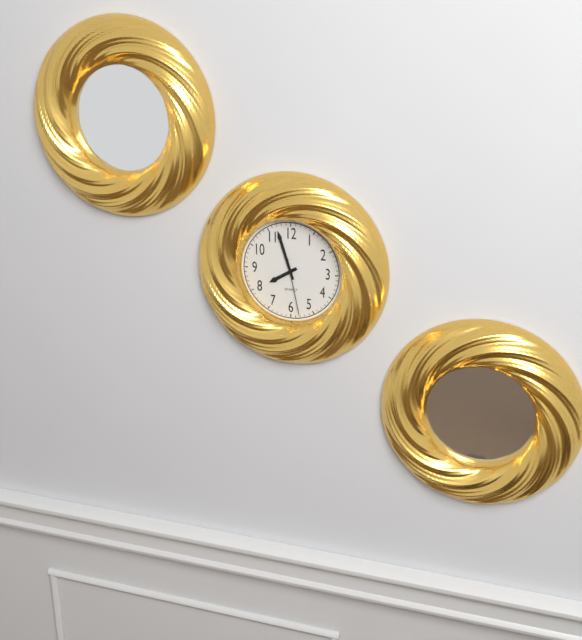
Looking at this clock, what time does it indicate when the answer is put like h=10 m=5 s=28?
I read h=7 m=57 s=28
